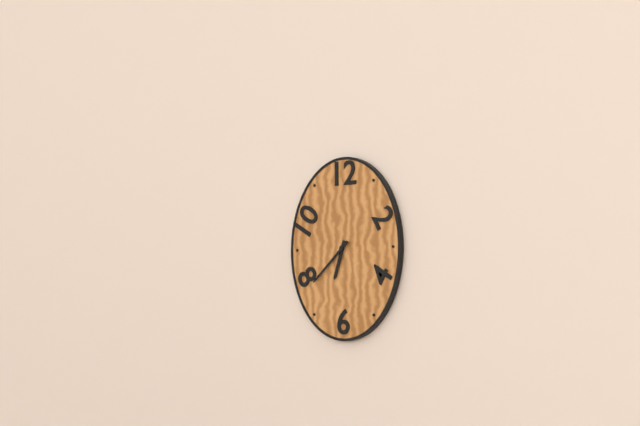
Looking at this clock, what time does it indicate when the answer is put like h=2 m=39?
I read h=6 m=38
